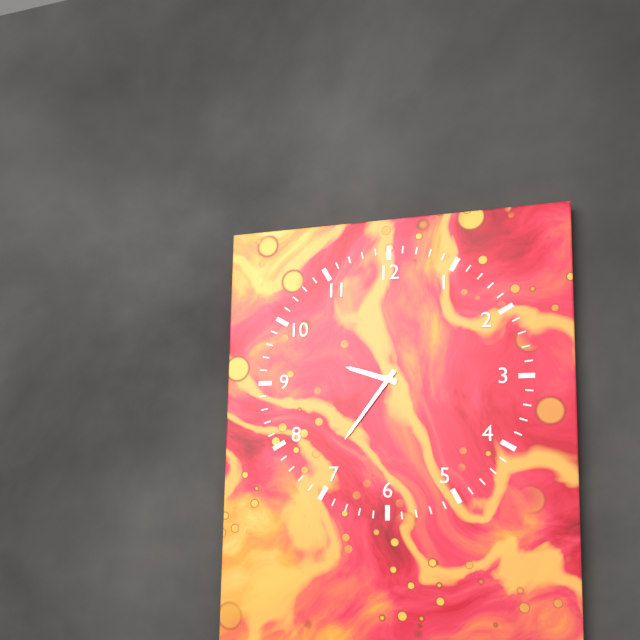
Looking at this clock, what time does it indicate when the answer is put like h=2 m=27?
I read h=9 m=36
